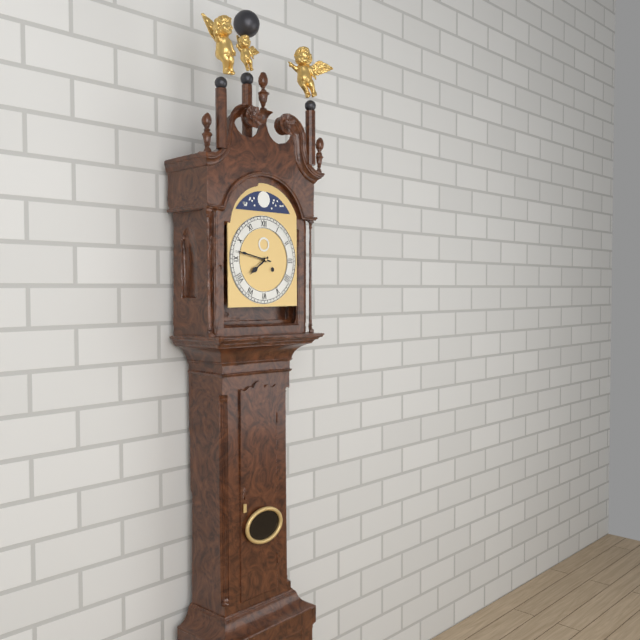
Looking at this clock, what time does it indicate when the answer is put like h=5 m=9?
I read h=7 m=47
